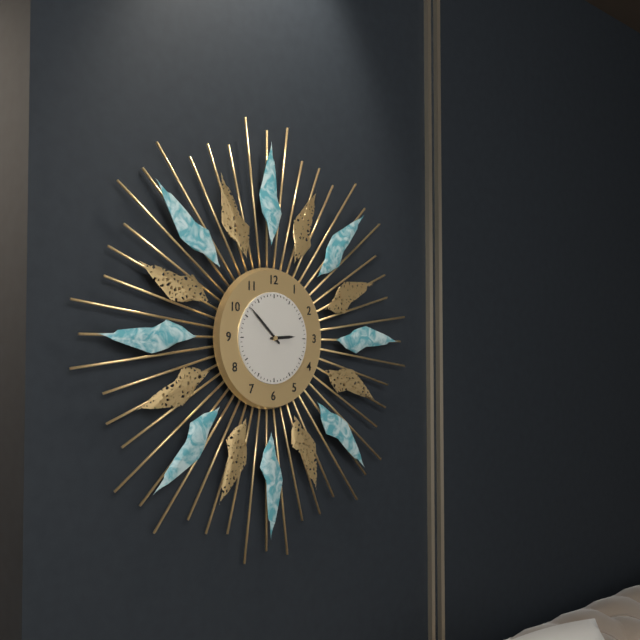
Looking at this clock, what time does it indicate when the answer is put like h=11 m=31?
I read h=2 m=52
